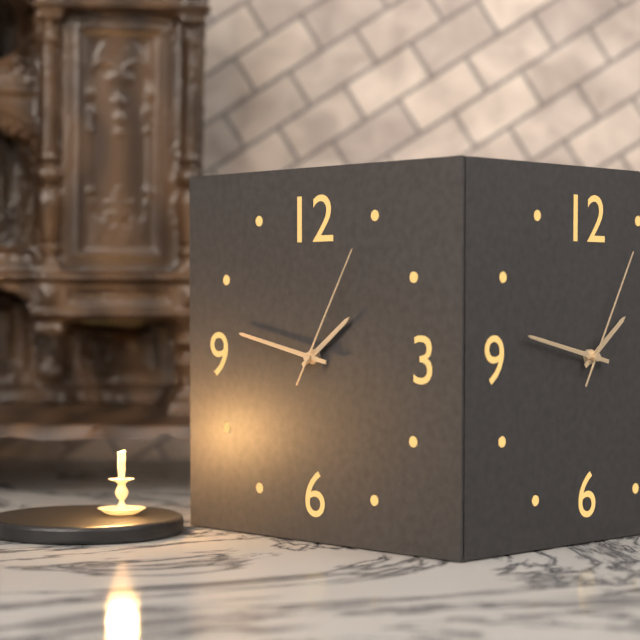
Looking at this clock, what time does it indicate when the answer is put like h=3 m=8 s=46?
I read h=1 m=47 s=5
